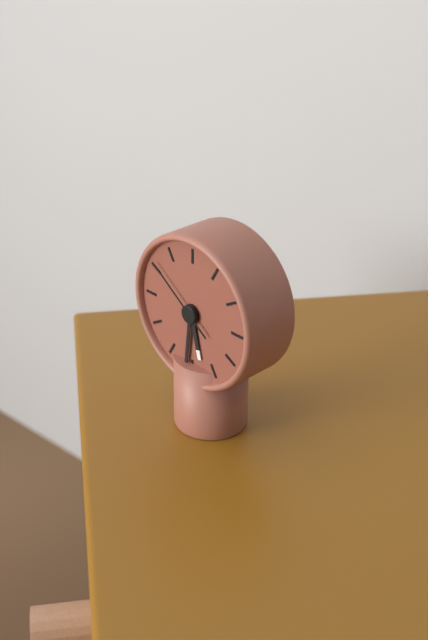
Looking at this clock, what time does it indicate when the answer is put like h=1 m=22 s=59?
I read h=5 m=31 s=51
